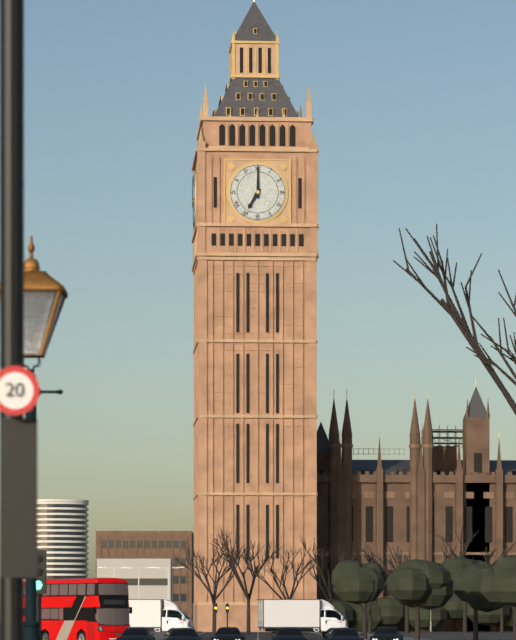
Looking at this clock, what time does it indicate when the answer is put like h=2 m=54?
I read h=7 m=0
